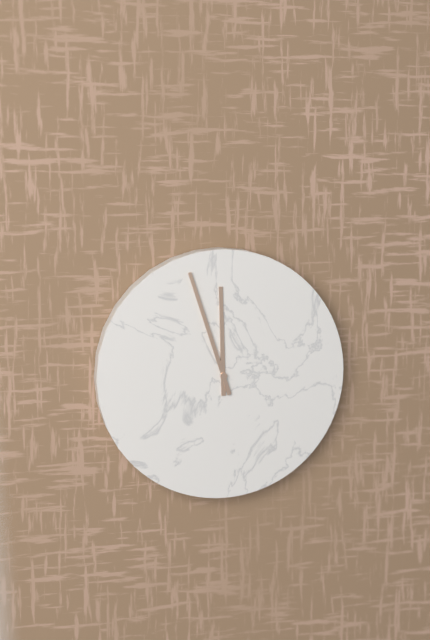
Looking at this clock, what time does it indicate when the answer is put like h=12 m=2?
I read h=11 m=57
